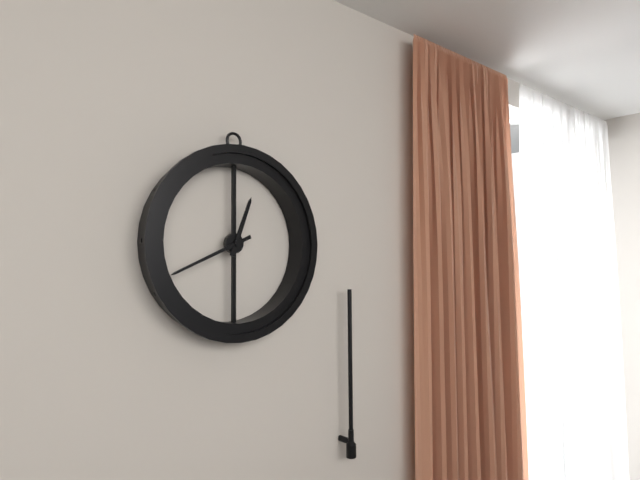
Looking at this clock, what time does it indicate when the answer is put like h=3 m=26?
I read h=12 m=41
